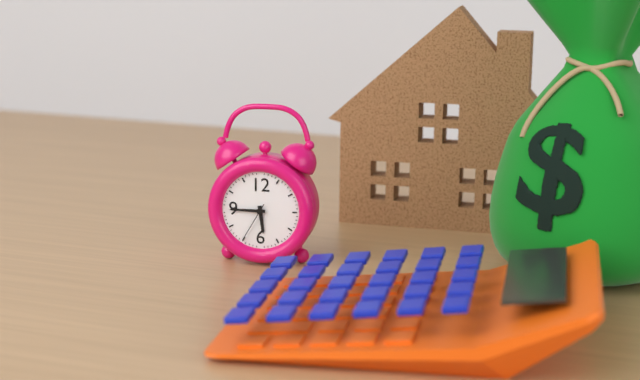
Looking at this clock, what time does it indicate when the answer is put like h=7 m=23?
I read h=5 m=45
